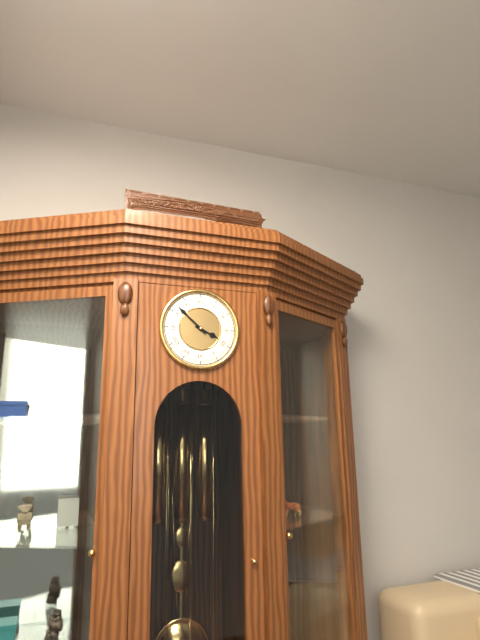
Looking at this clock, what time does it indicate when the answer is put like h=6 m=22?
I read h=3 m=52
